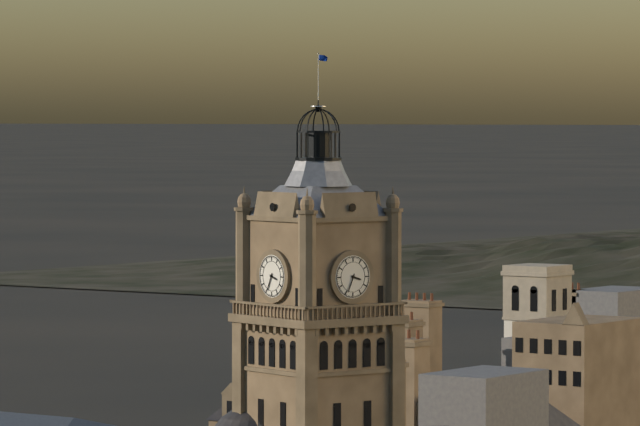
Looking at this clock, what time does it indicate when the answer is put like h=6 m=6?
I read h=3 m=34
